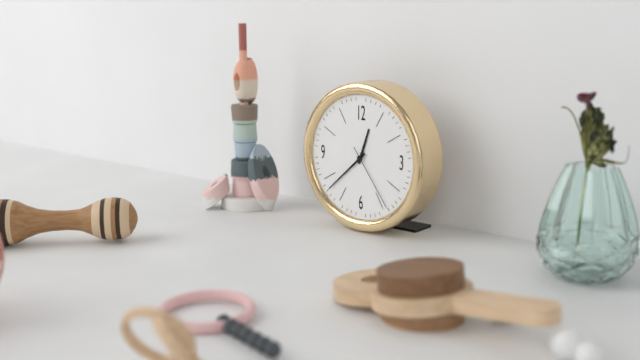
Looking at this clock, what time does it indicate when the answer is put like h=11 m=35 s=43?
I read h=12 m=38 s=24
